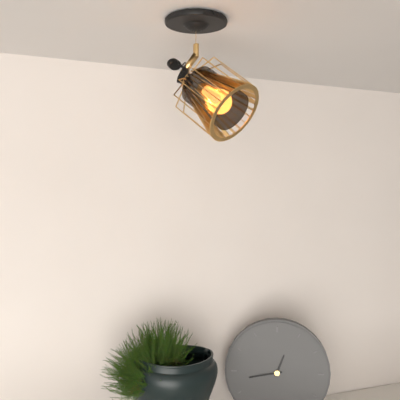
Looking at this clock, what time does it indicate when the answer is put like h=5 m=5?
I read h=12 m=43
